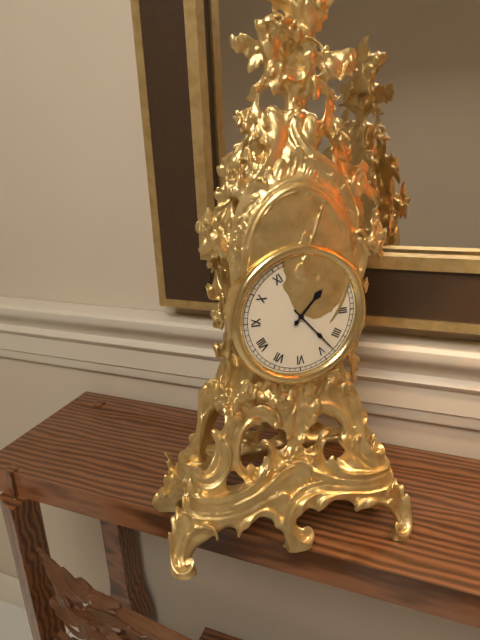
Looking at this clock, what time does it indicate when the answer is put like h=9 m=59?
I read h=1 m=23
